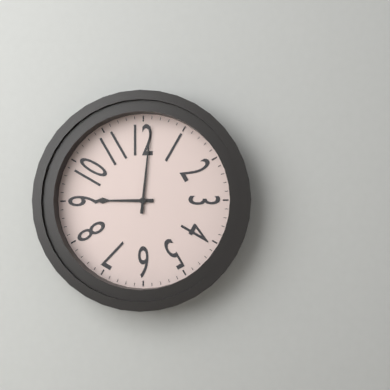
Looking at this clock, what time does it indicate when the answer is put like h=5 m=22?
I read h=9 m=1
